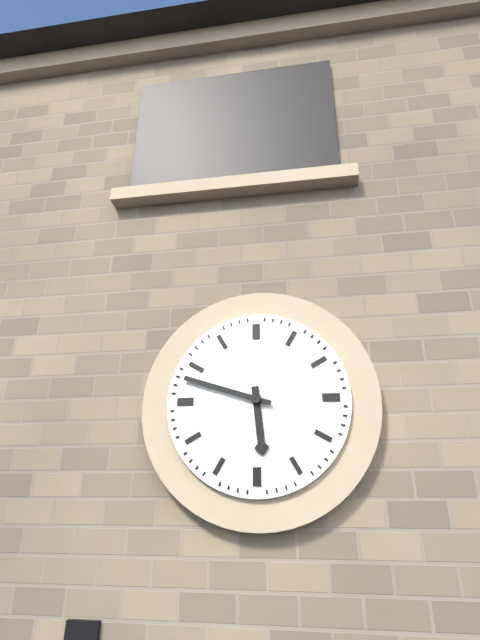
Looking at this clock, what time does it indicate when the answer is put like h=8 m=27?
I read h=5 m=48
